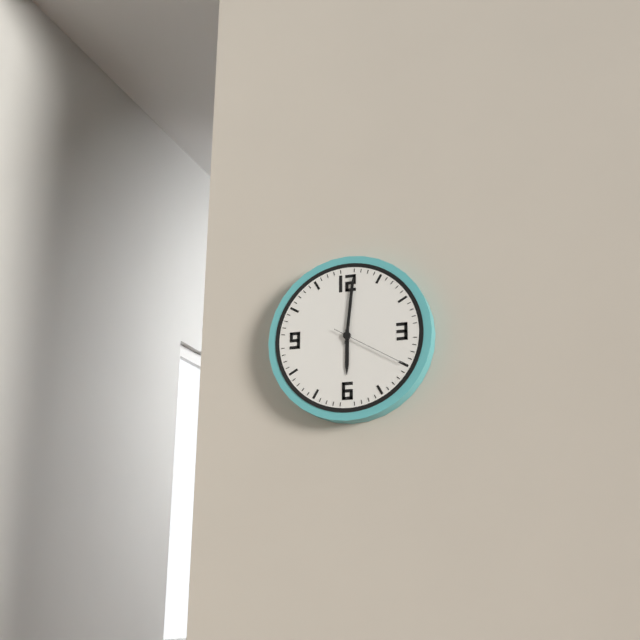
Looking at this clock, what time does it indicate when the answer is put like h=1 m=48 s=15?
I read h=6 m=1 s=20
